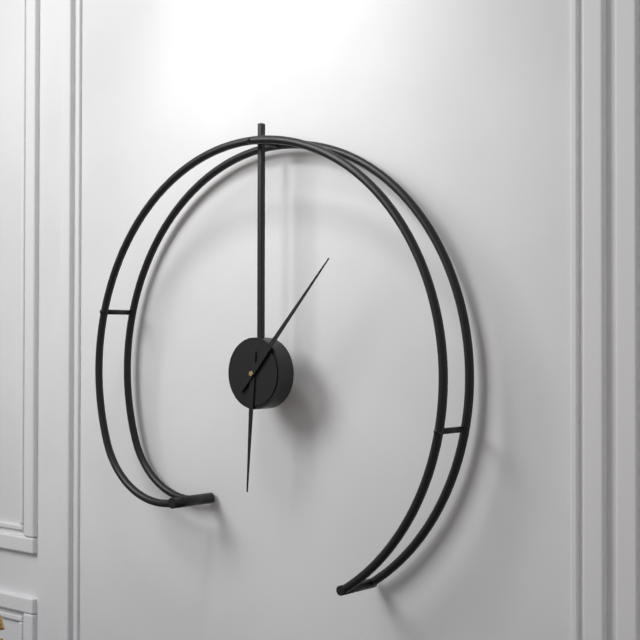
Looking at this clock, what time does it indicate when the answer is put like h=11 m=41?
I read h=6 m=7
